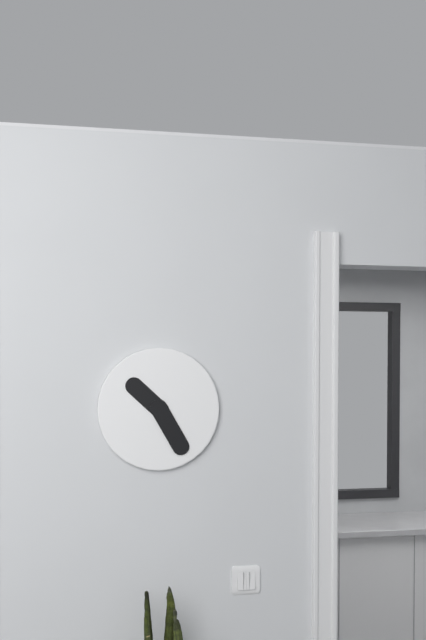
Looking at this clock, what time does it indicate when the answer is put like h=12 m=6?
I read h=10 m=25
